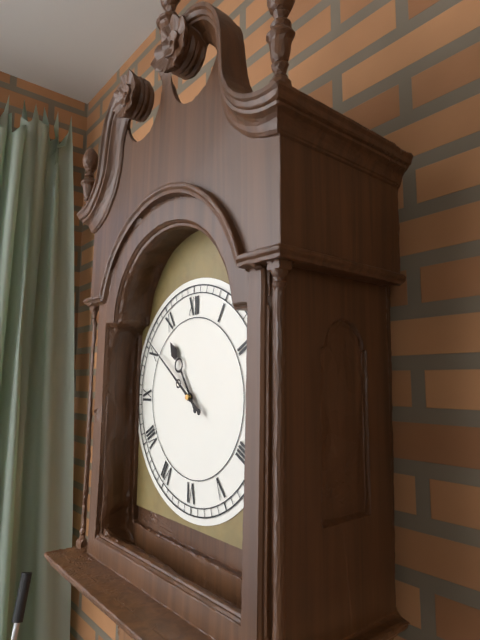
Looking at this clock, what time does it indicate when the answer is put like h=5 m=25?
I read h=10 m=51
